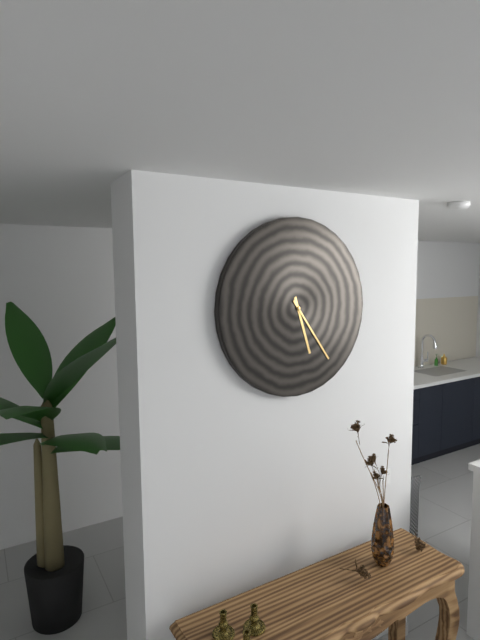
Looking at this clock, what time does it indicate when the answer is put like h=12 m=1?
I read h=5 m=24
